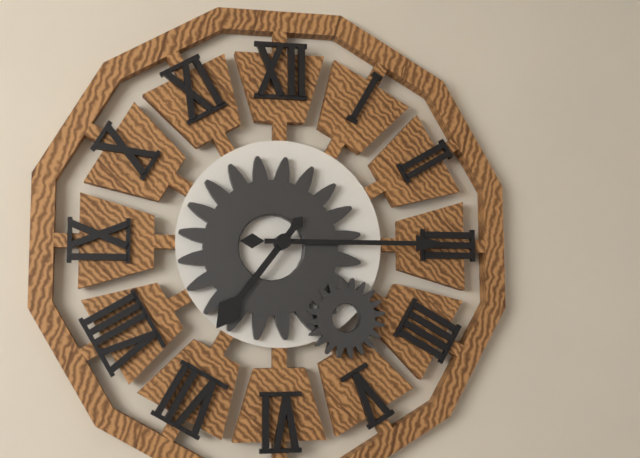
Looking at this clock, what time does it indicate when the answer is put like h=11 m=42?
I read h=7 m=15
